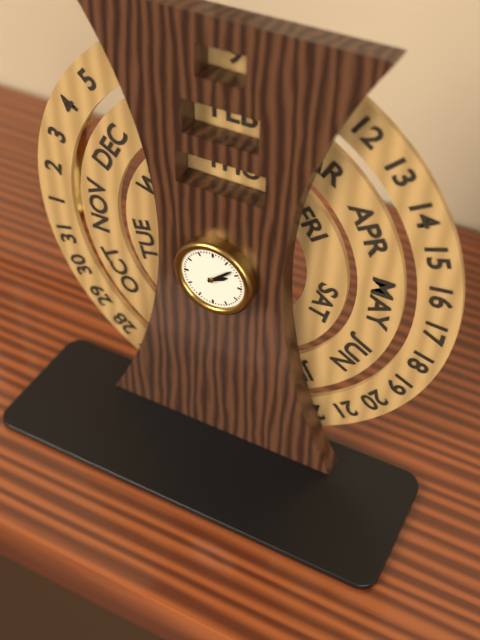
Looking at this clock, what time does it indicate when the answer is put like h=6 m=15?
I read h=2 m=8
